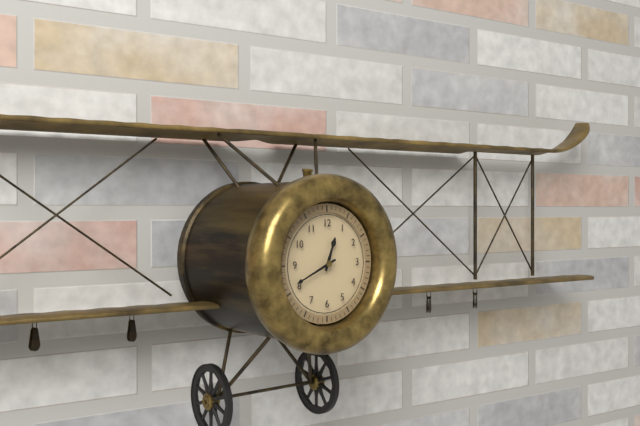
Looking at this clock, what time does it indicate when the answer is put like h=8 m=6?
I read h=12 m=41
